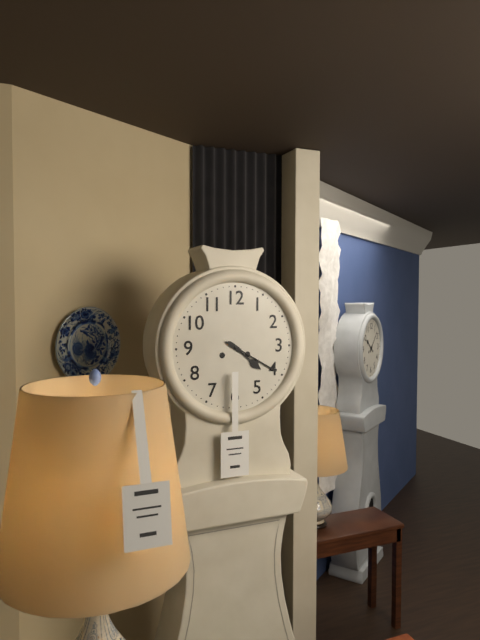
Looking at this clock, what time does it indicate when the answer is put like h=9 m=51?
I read h=4 m=20
